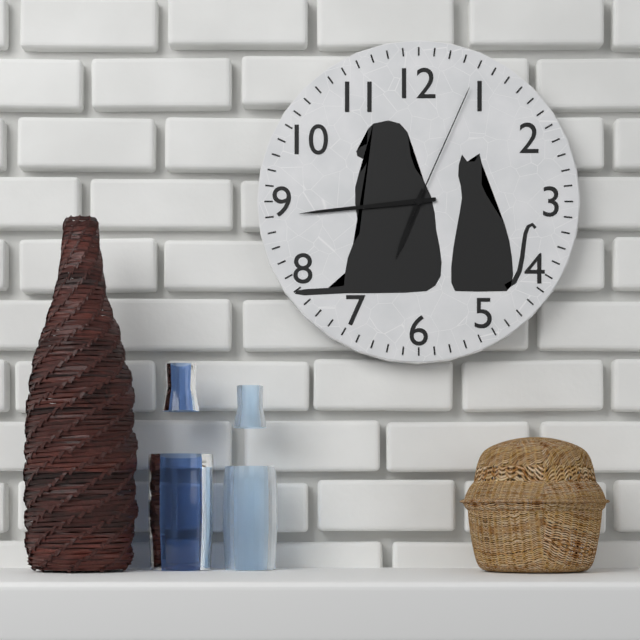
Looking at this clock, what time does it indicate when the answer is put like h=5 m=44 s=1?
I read h=6 m=44 s=4
